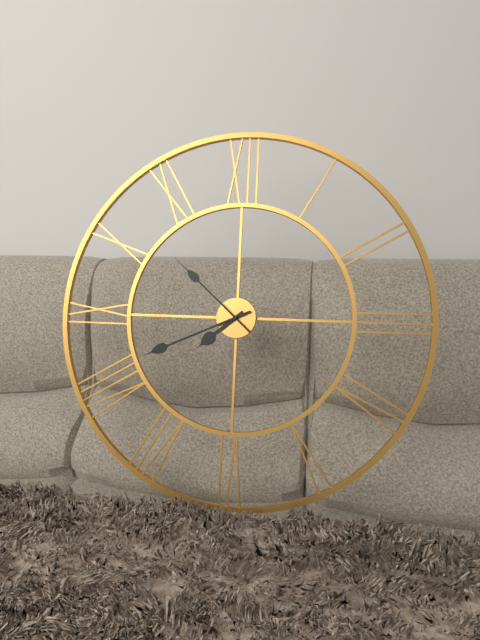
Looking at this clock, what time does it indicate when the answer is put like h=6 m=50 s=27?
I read h=7 m=41 s=52
